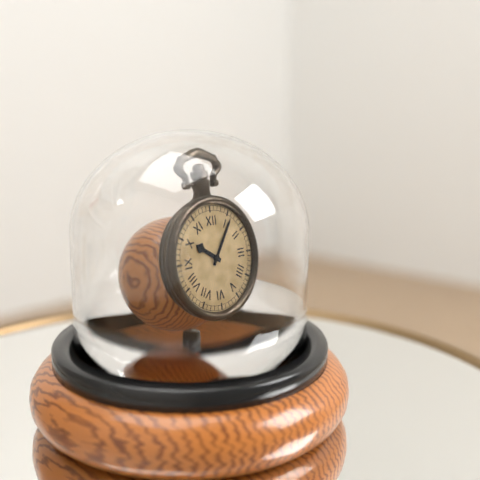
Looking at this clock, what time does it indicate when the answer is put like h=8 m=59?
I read h=10 m=6
